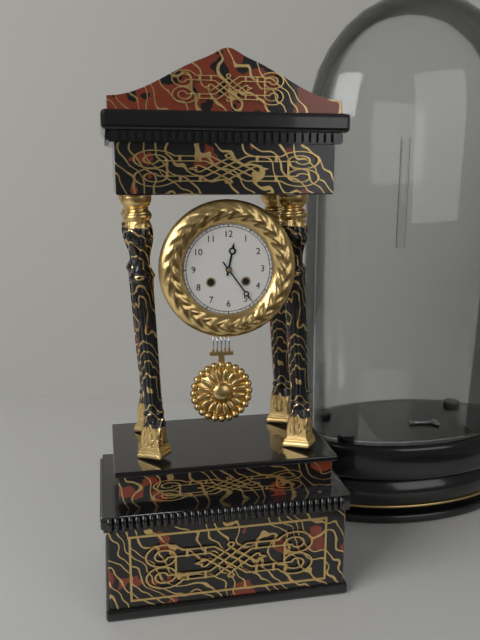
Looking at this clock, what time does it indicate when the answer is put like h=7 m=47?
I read h=12 m=24
